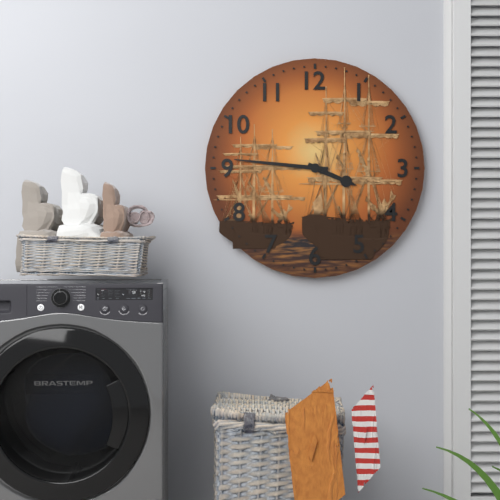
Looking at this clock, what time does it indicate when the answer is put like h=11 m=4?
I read h=3 m=46
